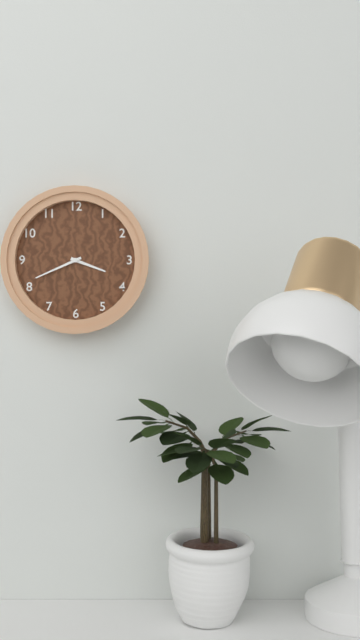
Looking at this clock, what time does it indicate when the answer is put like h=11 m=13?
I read h=3 m=41
